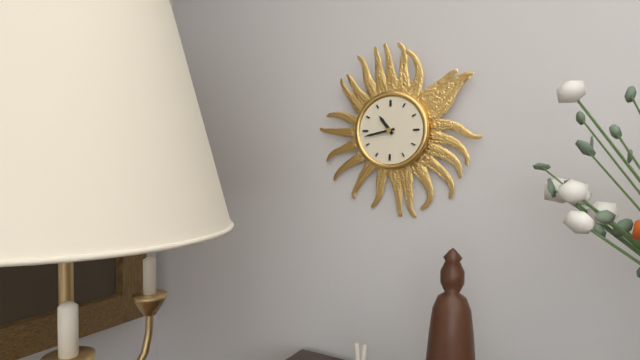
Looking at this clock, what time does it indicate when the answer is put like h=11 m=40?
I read h=10 m=43
